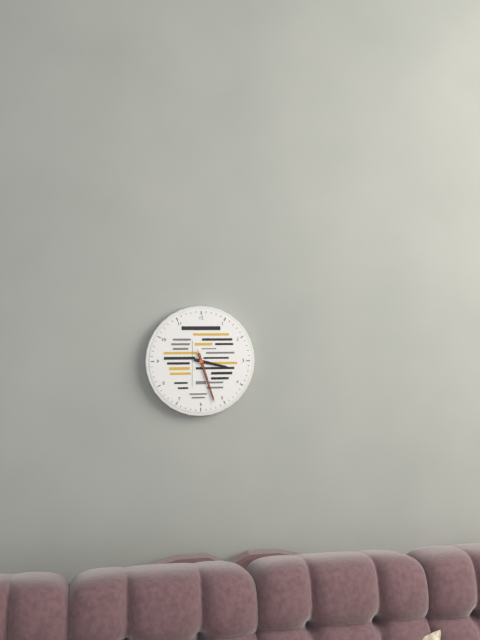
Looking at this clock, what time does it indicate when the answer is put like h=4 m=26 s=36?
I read h=3 m=27 s=27
